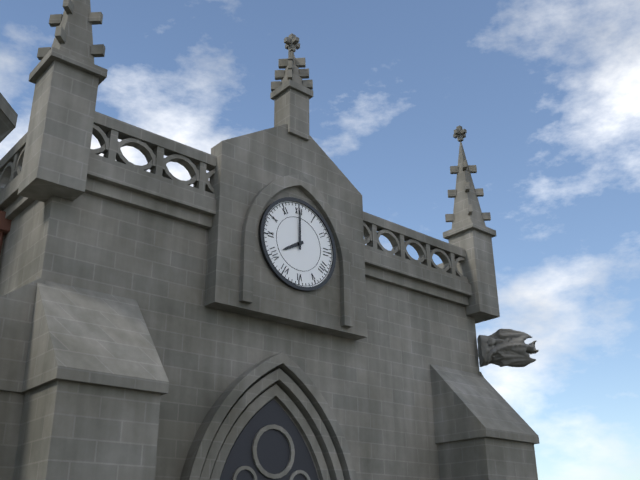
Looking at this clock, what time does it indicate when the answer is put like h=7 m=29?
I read h=8 m=0
